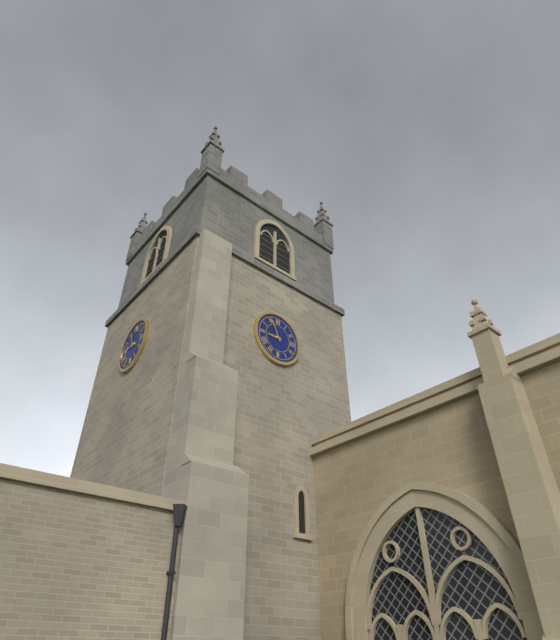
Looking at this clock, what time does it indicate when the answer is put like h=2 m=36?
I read h=8 m=56
